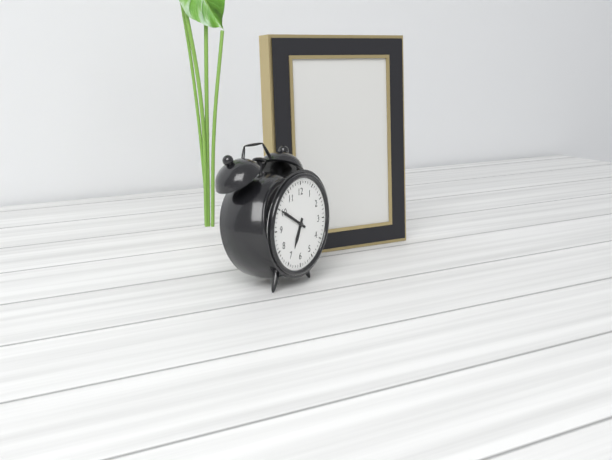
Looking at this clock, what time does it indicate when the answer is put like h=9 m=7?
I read h=6 m=50
